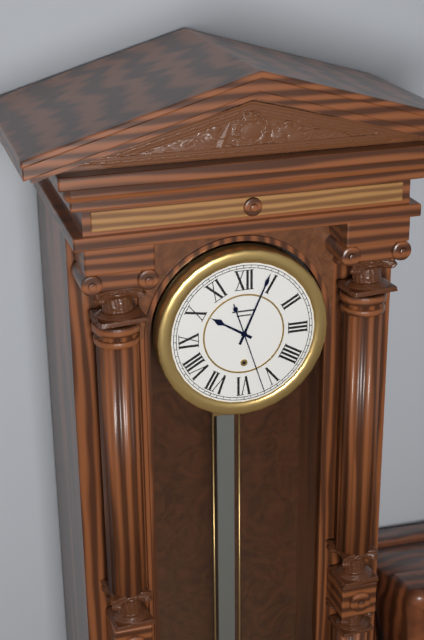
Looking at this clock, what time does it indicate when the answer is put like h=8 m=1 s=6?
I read h=10 m=4 s=27
